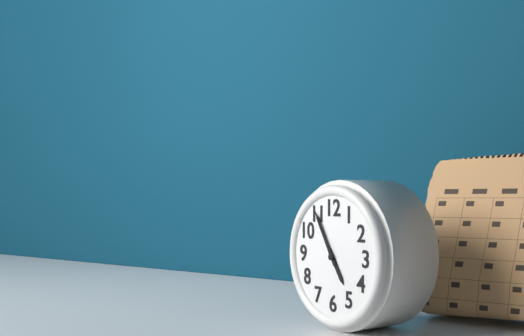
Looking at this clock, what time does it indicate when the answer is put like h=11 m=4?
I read h=4 m=55
